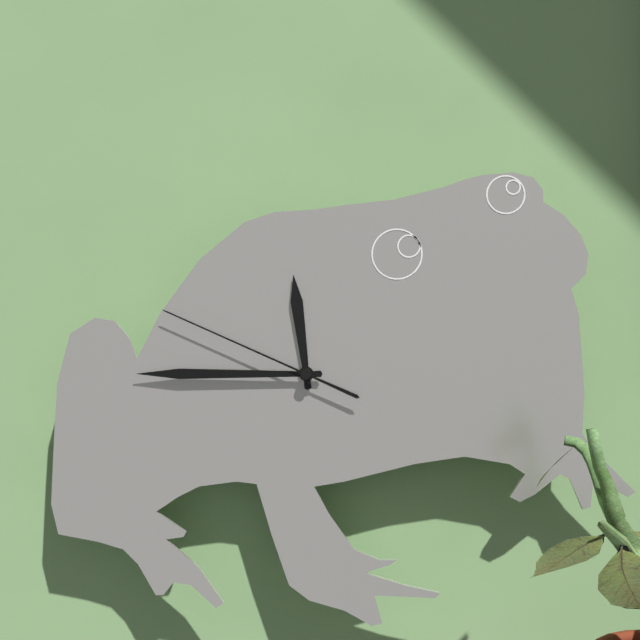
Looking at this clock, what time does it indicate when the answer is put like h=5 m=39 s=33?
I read h=11 m=45 s=49
